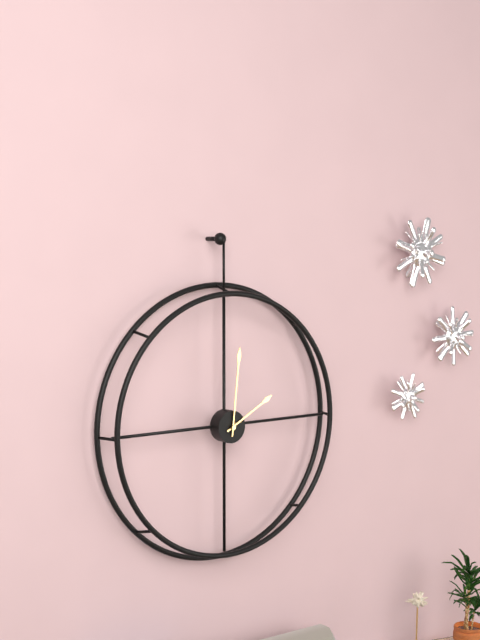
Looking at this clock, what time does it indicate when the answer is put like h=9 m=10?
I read h=2 m=1
